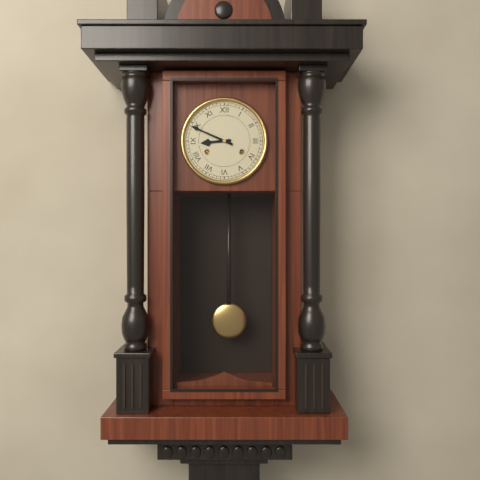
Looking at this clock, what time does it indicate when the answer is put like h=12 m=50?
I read h=8 m=49
